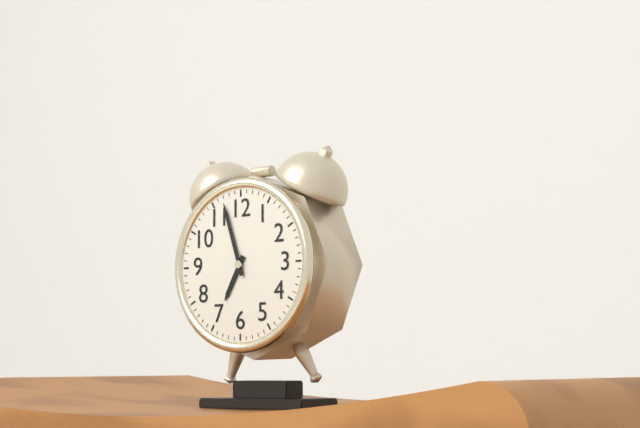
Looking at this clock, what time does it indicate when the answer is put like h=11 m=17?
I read h=6 m=57
